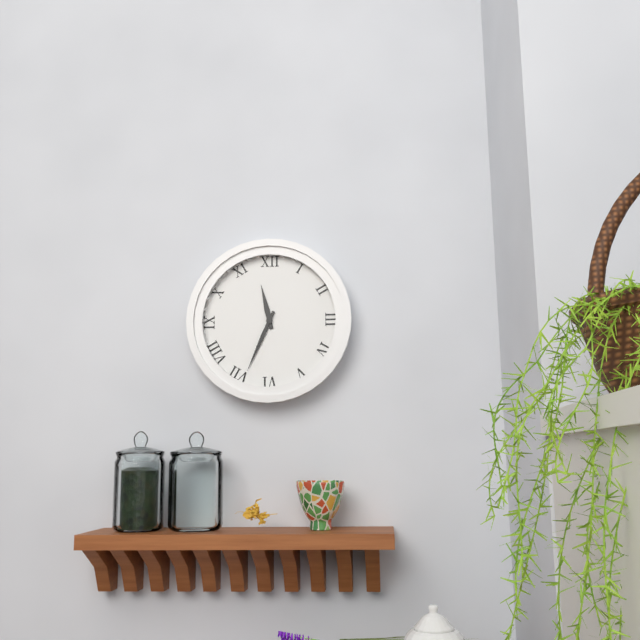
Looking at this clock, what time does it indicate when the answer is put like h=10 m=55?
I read h=11 m=34
